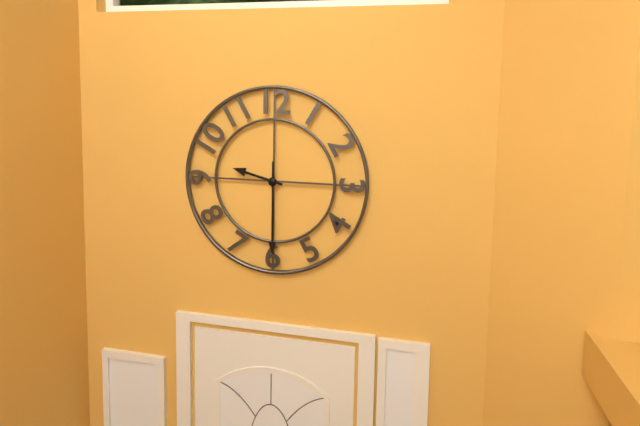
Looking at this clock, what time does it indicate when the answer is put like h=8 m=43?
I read h=9 m=30
